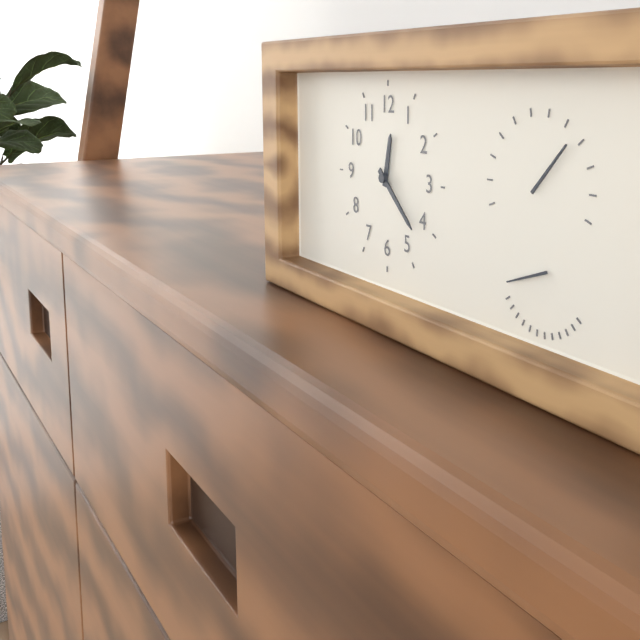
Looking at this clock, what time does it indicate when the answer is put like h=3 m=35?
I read h=12 m=22
